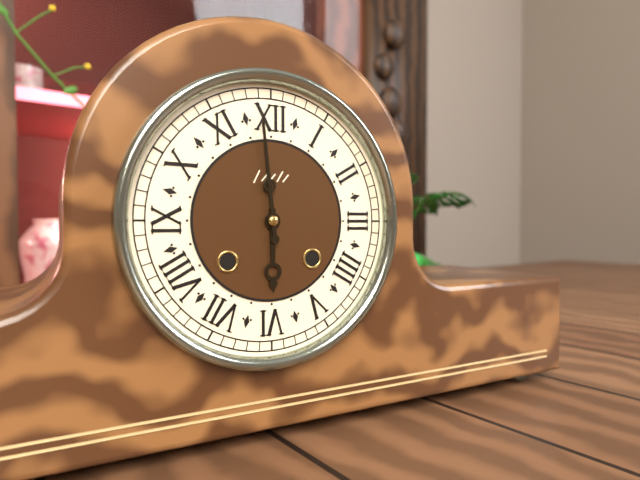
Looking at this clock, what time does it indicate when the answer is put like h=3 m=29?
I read h=5 m=59
